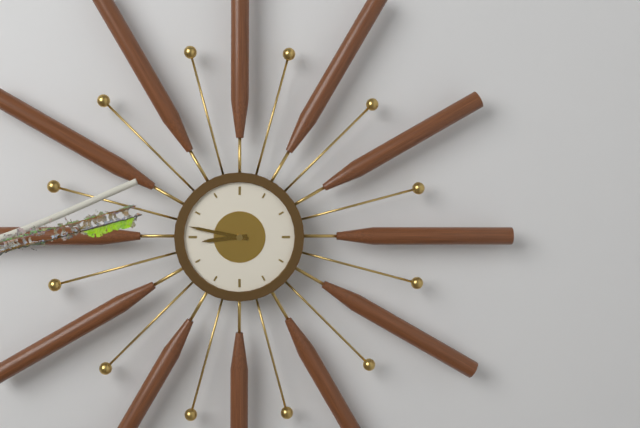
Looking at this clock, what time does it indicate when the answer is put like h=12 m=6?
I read h=8 m=47
